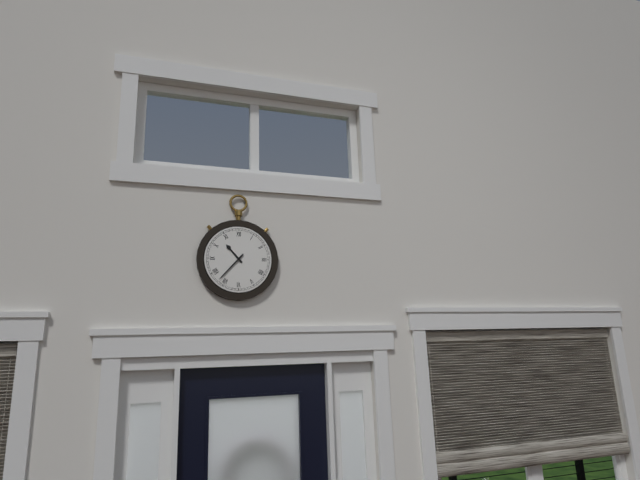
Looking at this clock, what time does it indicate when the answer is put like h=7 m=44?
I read h=10 m=37
